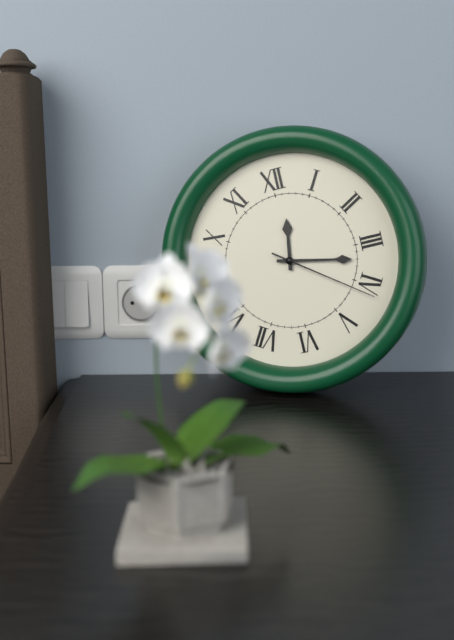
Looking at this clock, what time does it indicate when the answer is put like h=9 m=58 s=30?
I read h=12 m=17 s=21
